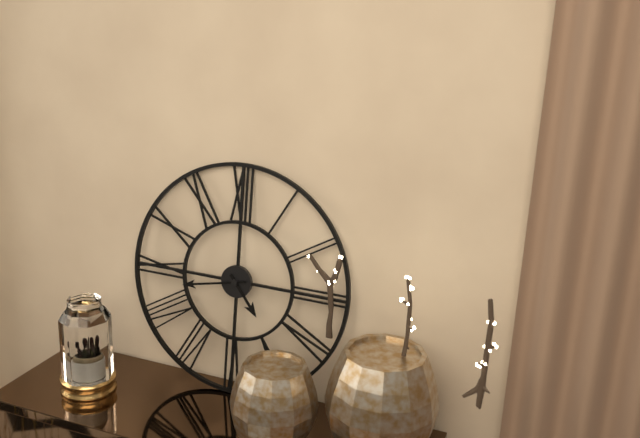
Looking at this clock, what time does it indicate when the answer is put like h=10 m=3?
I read h=4 m=43
